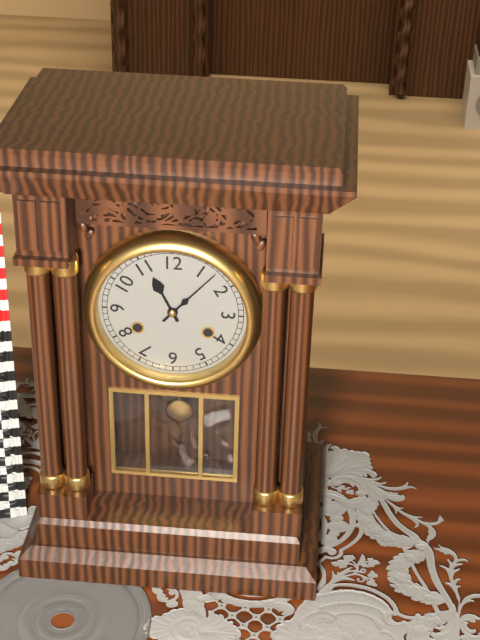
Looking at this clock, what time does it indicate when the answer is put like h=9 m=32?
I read h=11 m=7
